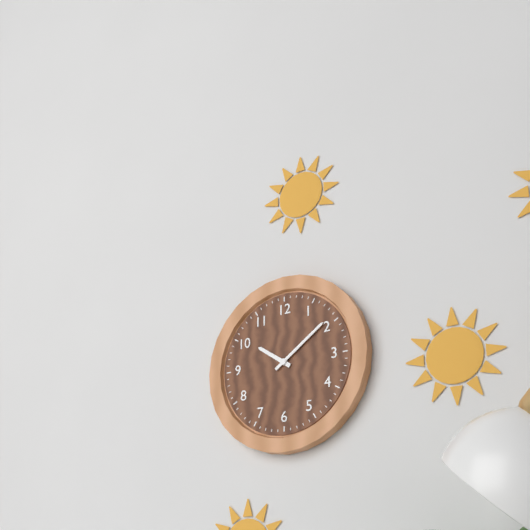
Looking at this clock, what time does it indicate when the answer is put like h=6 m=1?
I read h=10 m=9
